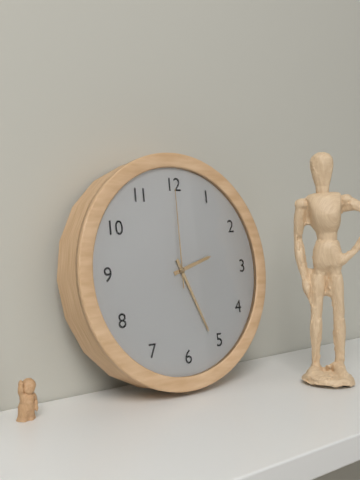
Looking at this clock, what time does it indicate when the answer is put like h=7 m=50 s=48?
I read h=2 m=26 s=0
